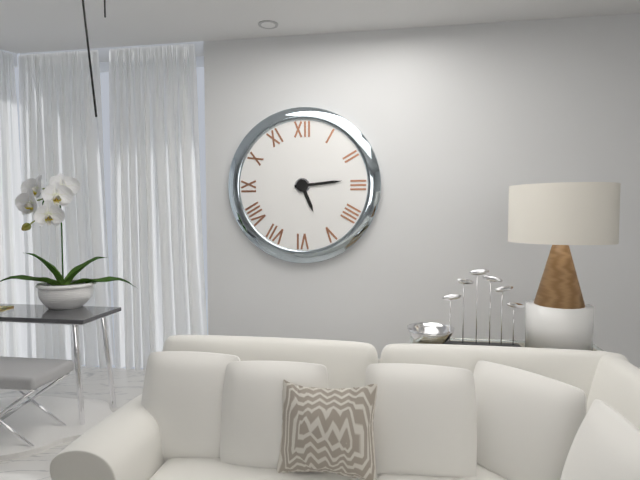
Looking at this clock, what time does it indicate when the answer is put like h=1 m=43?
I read h=5 m=14
